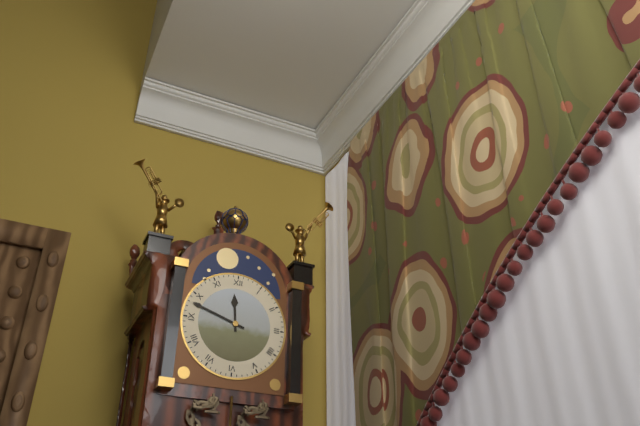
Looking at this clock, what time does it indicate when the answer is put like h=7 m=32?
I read h=11 m=48
